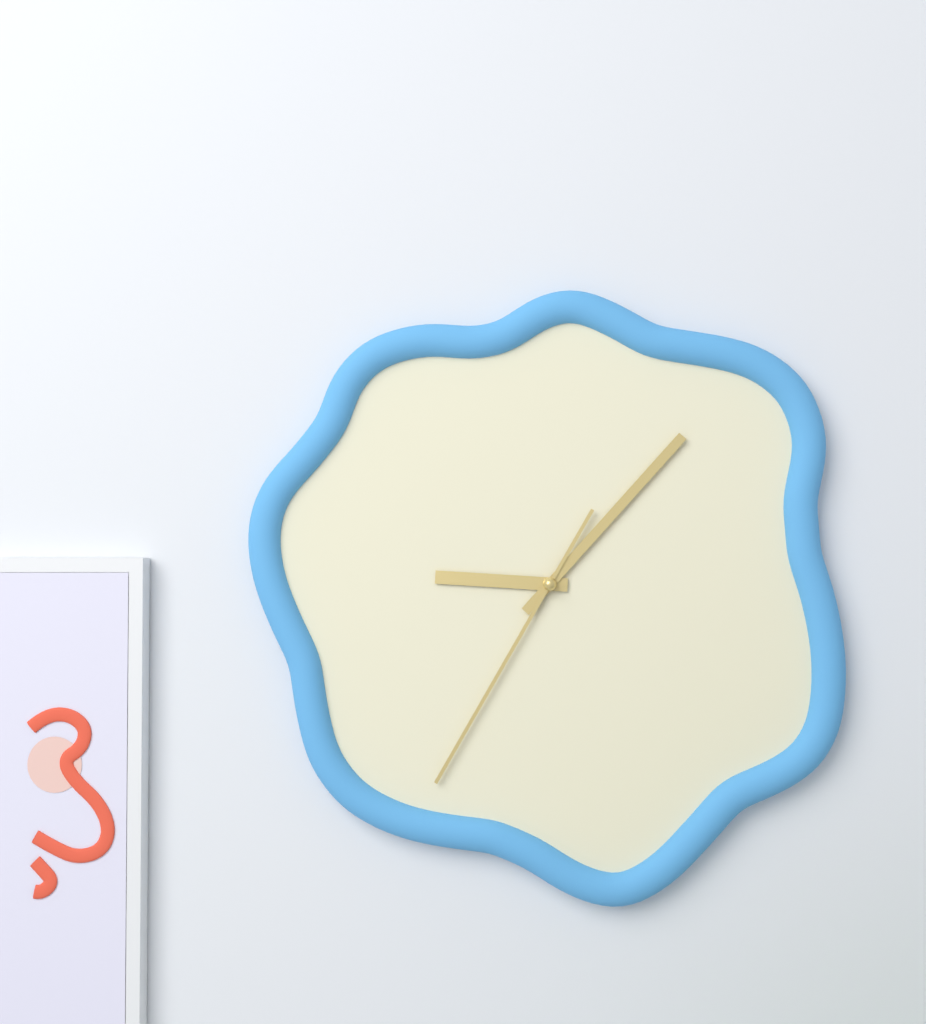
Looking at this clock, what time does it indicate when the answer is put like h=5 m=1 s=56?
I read h=9 m=7 s=35
